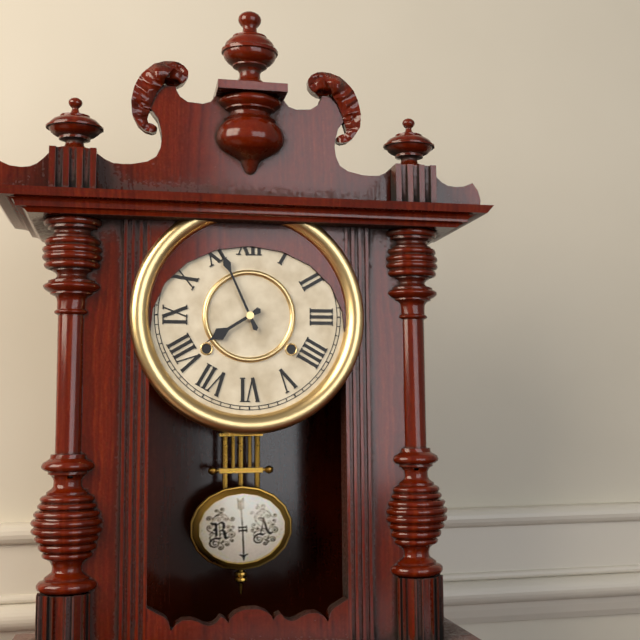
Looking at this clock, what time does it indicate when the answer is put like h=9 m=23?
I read h=7 m=56
